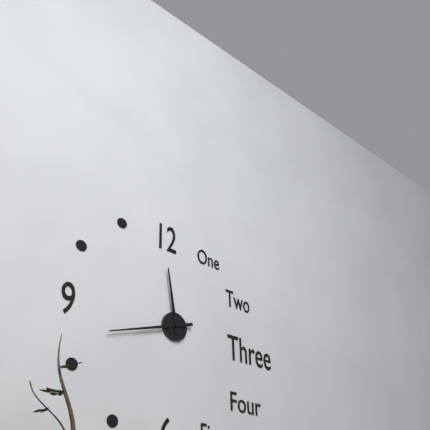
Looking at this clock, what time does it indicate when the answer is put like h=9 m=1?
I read h=11 m=42
